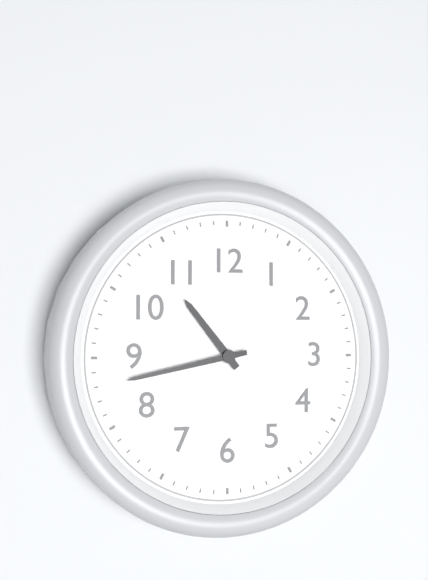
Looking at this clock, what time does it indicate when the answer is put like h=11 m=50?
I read h=10 m=43
